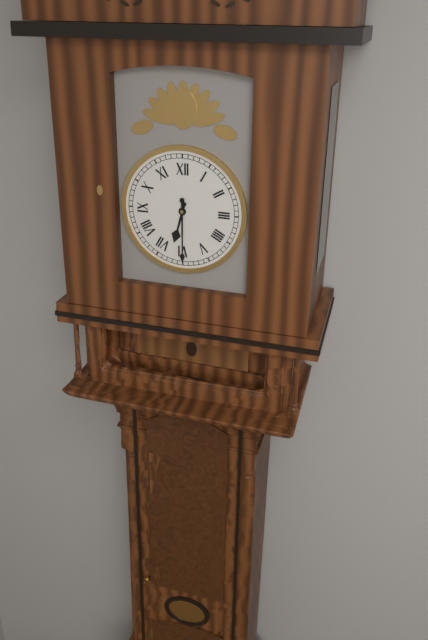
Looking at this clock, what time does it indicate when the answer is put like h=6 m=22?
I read h=6 m=30
